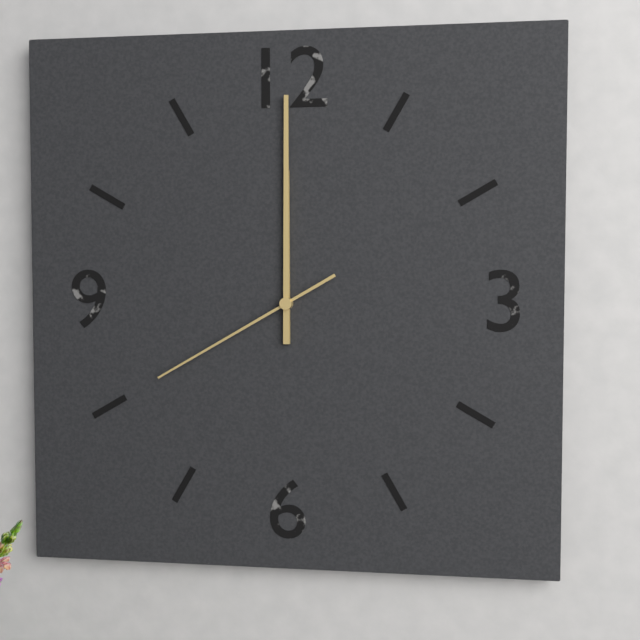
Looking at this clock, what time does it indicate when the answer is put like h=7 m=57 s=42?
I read h=12 m=0 s=40
